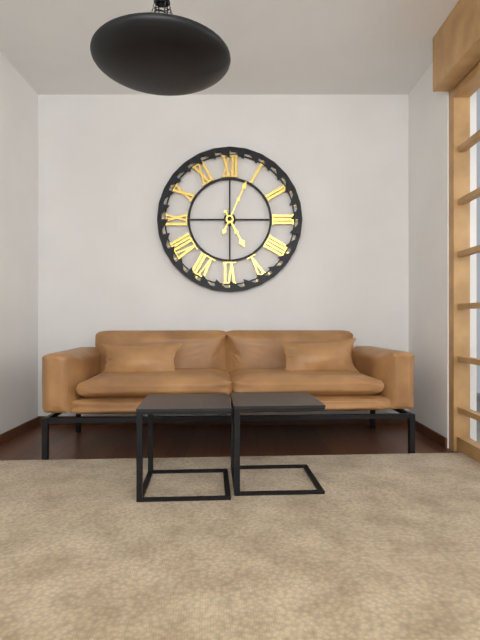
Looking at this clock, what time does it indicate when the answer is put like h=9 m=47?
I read h=5 m=4
